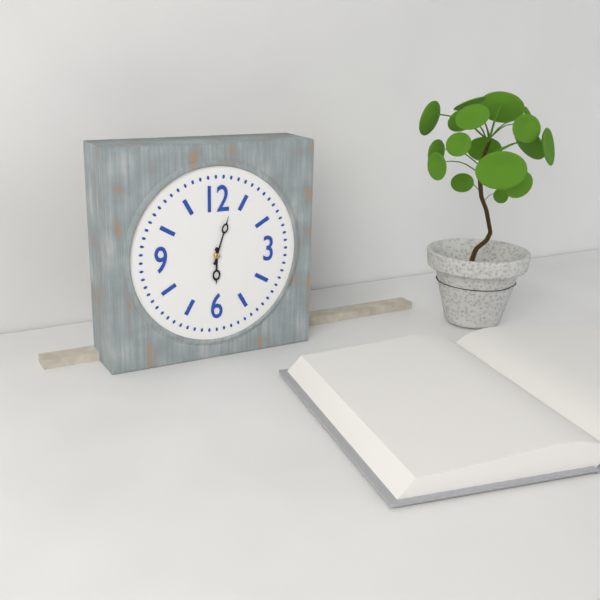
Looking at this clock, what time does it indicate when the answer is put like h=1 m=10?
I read h=6 m=3
